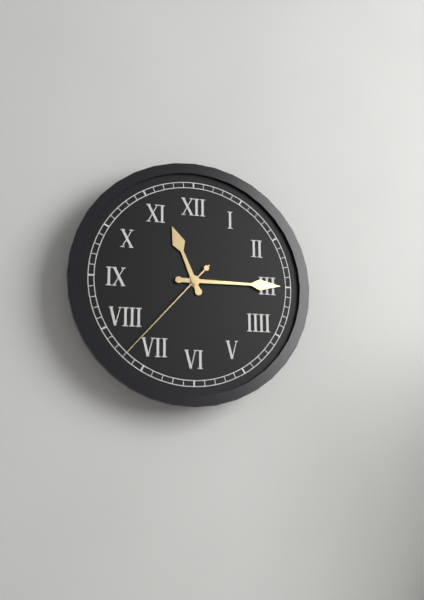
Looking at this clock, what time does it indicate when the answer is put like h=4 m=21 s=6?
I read h=11 m=15 s=37
